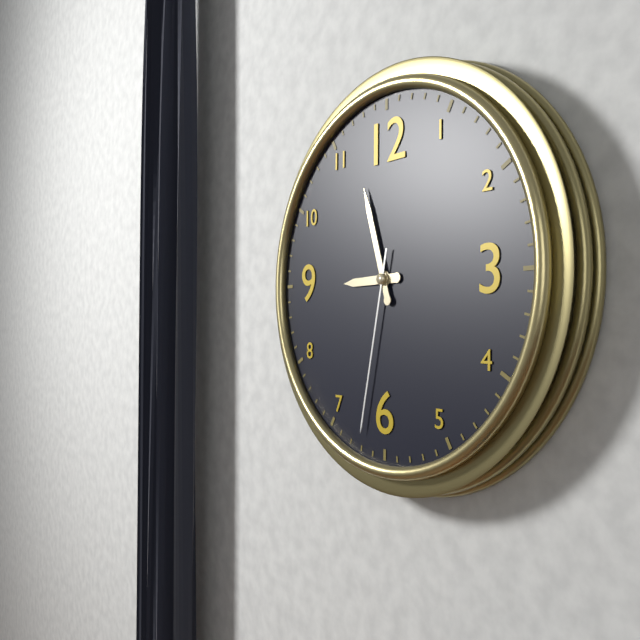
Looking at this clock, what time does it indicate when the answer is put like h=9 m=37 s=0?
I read h=8 m=57 s=32
